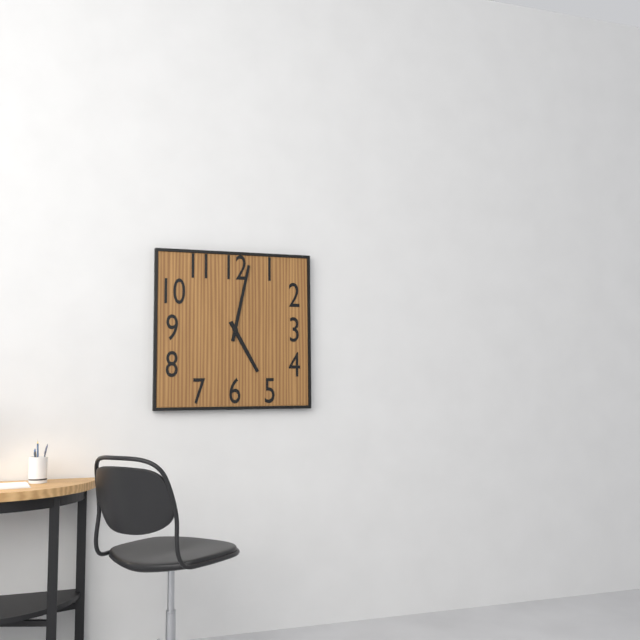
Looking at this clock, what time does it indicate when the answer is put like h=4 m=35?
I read h=5 m=2
